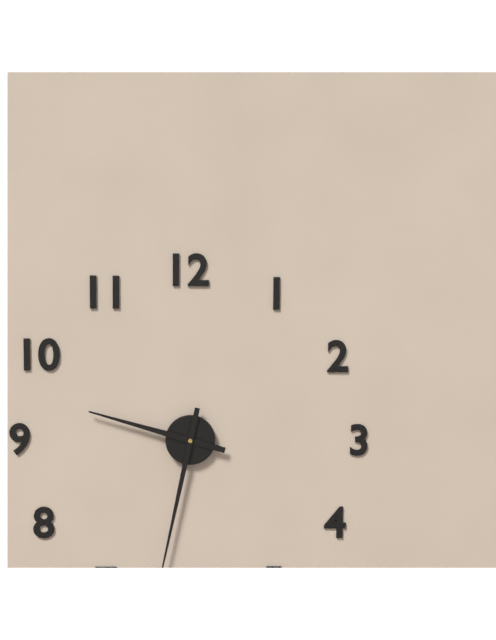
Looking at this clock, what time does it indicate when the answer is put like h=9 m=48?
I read h=9 m=32
